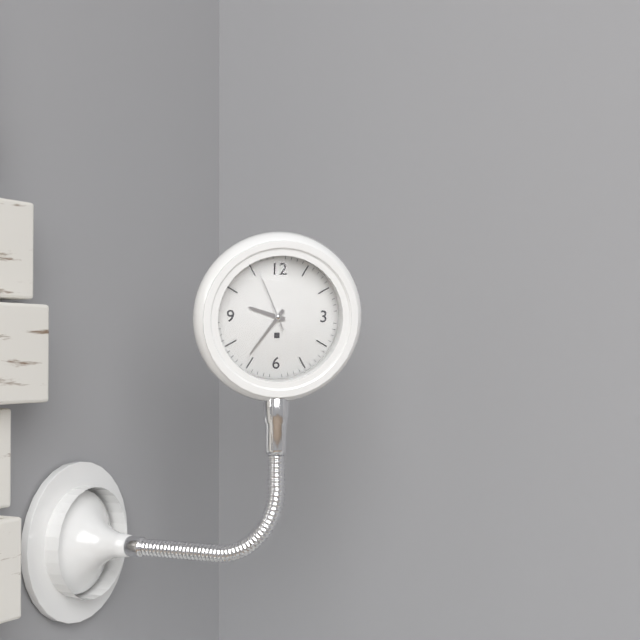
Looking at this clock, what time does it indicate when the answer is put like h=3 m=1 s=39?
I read h=9 m=36 s=56
